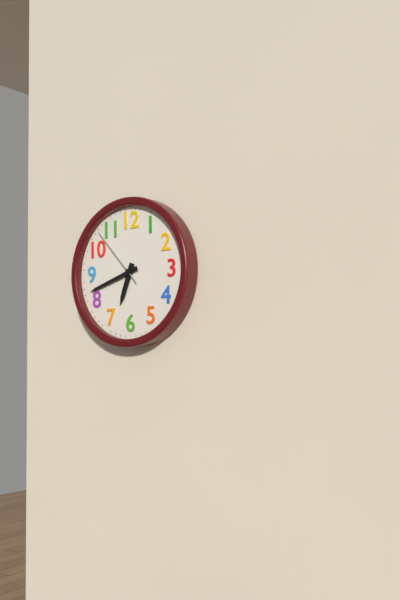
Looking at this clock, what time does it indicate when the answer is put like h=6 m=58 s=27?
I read h=6 m=42 s=53
